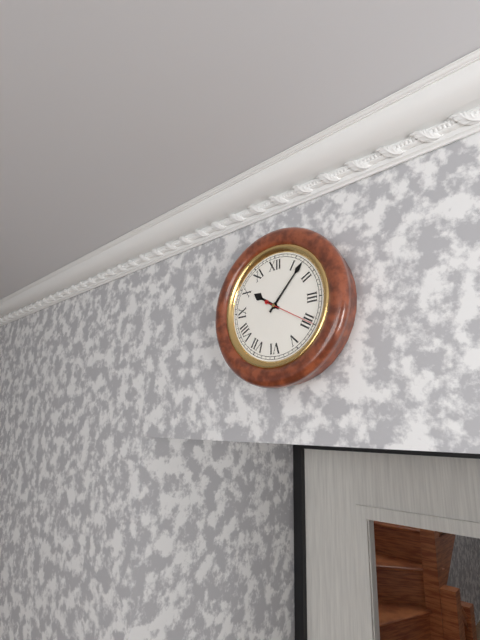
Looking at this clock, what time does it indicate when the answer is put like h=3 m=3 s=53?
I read h=10 m=7 s=20
